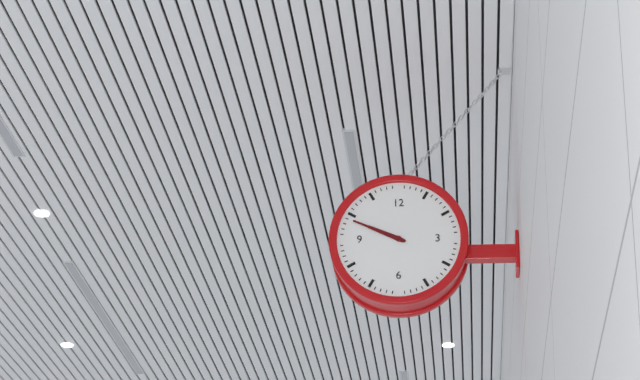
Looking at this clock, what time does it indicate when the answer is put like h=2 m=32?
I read h=9 m=49
